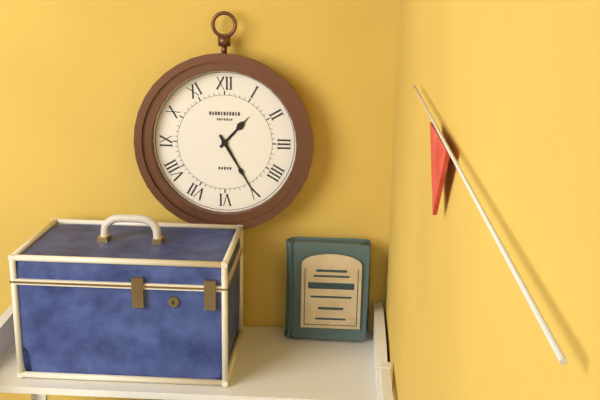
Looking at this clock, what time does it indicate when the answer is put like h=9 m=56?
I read h=1 m=25
